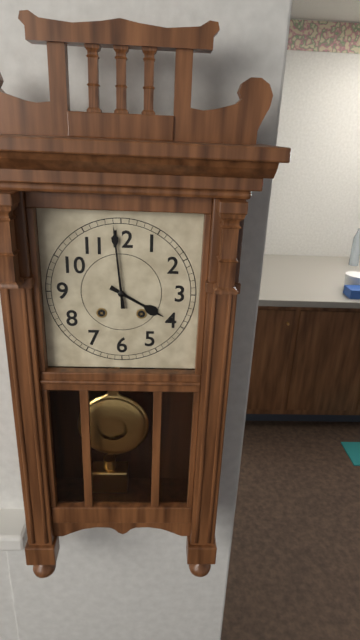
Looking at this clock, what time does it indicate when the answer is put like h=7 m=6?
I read h=3 m=59
